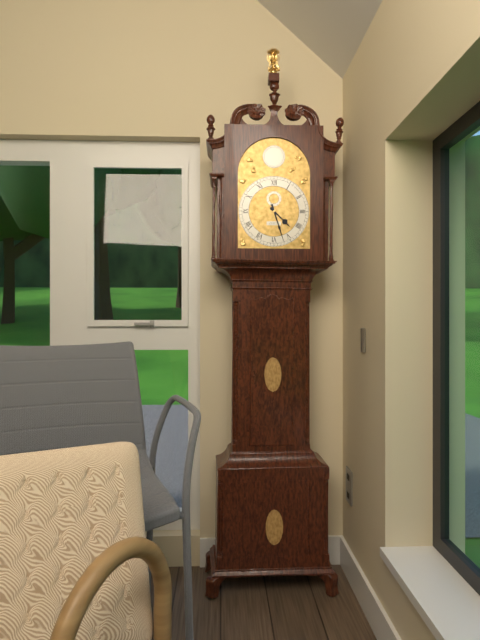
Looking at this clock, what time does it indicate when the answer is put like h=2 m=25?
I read h=4 m=27
